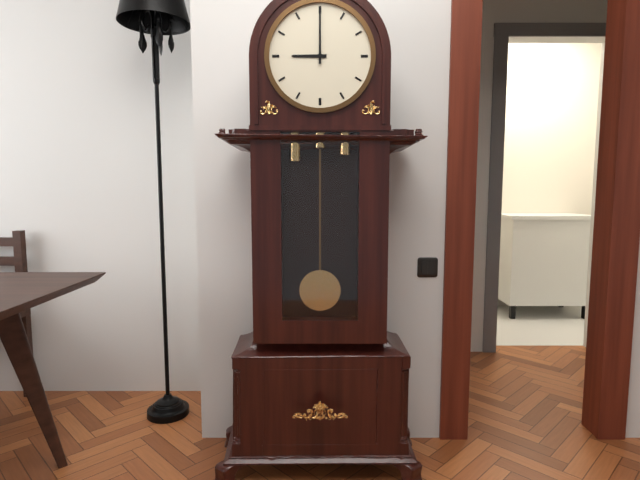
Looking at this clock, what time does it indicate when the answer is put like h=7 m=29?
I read h=9 m=0
